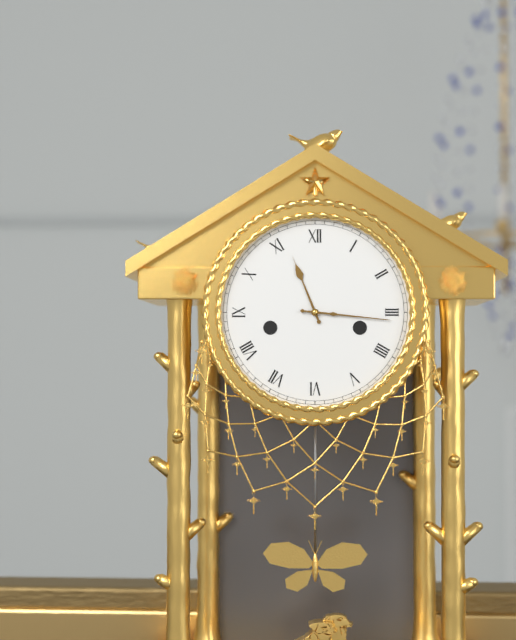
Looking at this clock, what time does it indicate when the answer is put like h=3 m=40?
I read h=11 m=16
